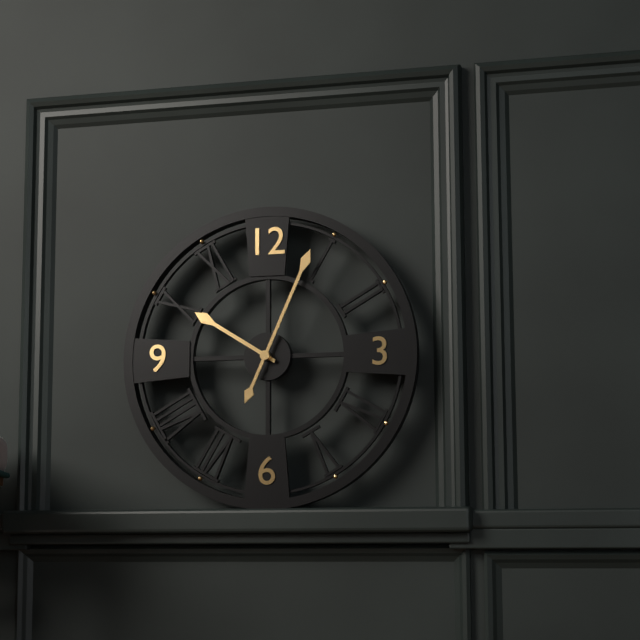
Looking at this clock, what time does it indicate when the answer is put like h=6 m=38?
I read h=10 m=4
